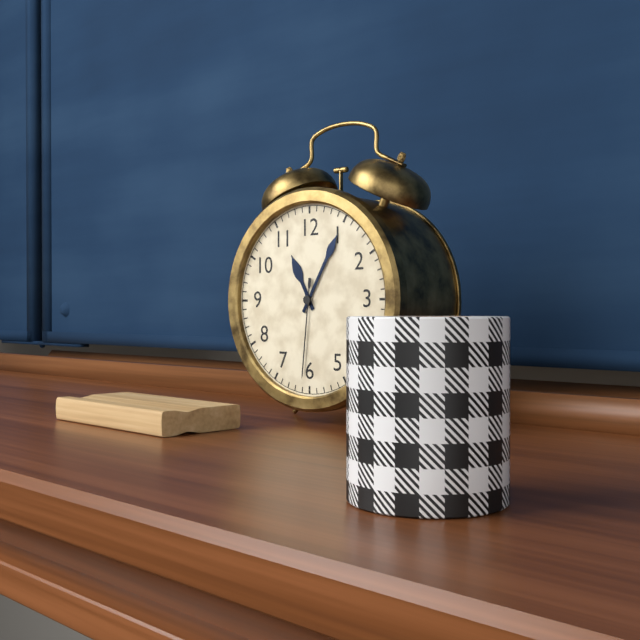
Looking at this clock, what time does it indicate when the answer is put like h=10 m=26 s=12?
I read h=11 m=5 s=31
